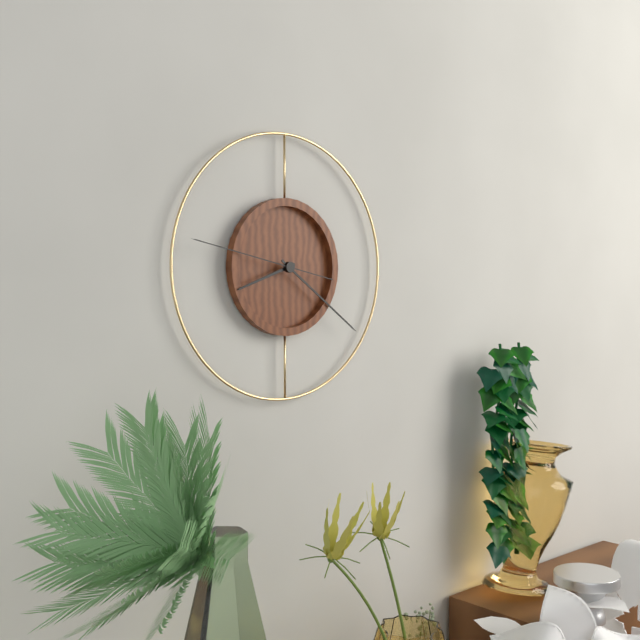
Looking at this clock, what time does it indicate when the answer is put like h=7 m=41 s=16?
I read h=8 m=21 s=47
